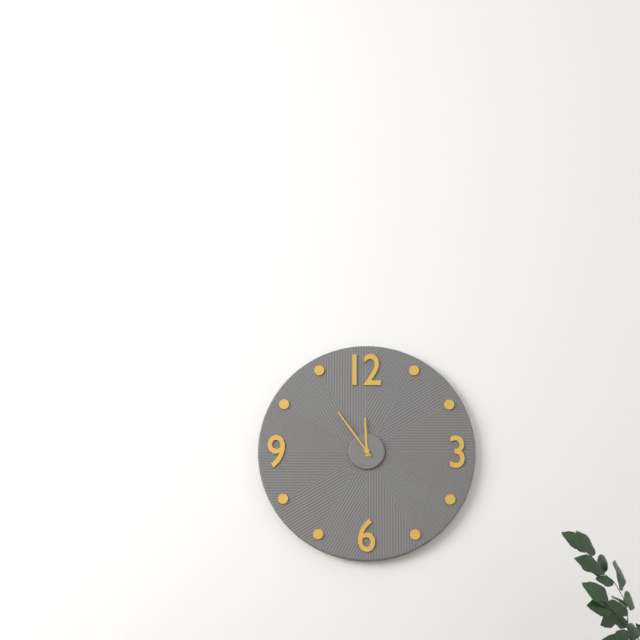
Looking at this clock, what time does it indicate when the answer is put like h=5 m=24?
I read h=11 m=54
